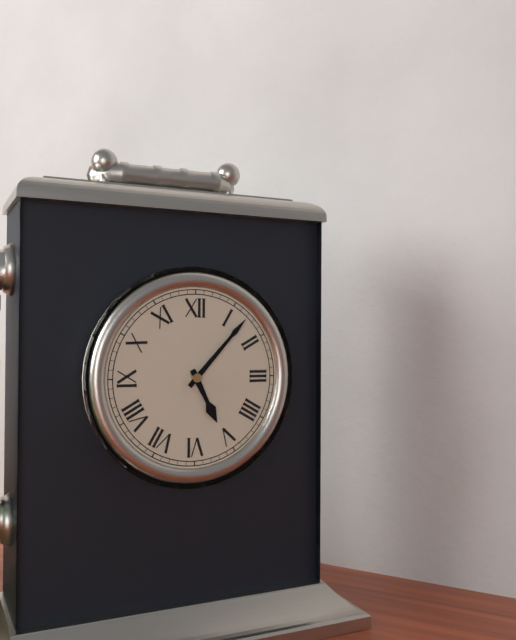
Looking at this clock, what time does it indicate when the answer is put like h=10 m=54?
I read h=5 m=7
